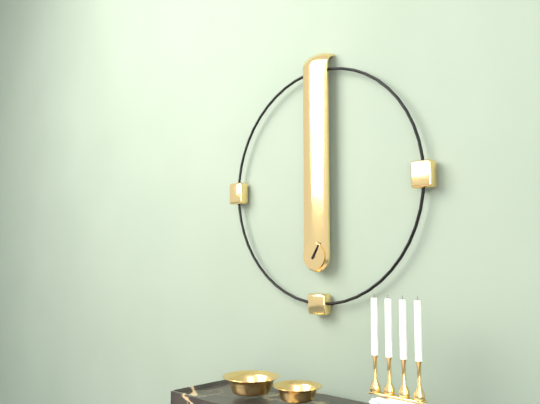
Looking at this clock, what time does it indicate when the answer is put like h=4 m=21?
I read h=1 m=5
